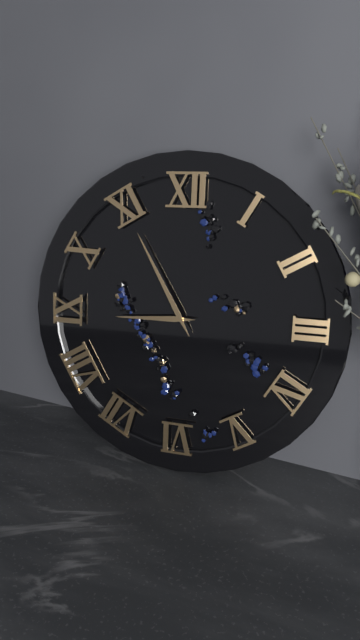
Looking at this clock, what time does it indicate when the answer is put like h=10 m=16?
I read h=8 m=55
